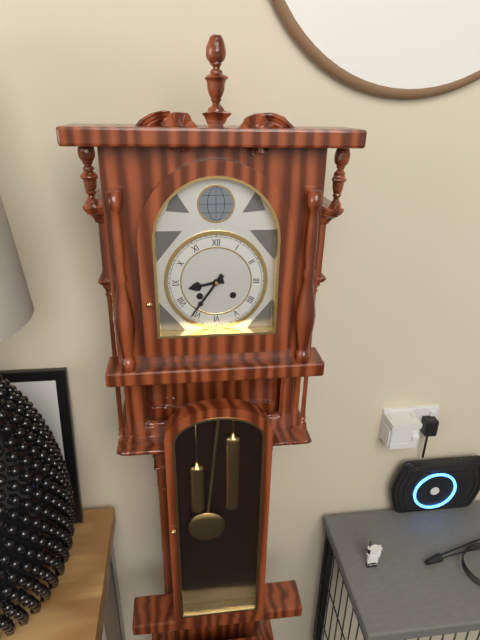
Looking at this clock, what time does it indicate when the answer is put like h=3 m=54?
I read h=8 m=36
